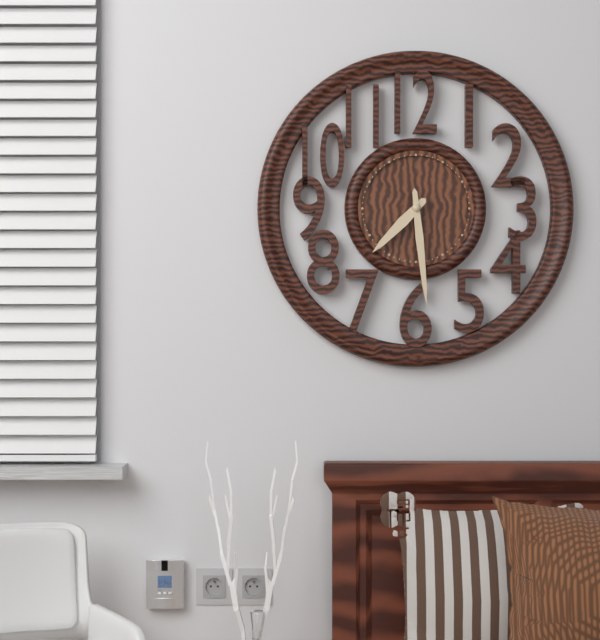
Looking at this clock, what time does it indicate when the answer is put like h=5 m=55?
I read h=7 m=29
